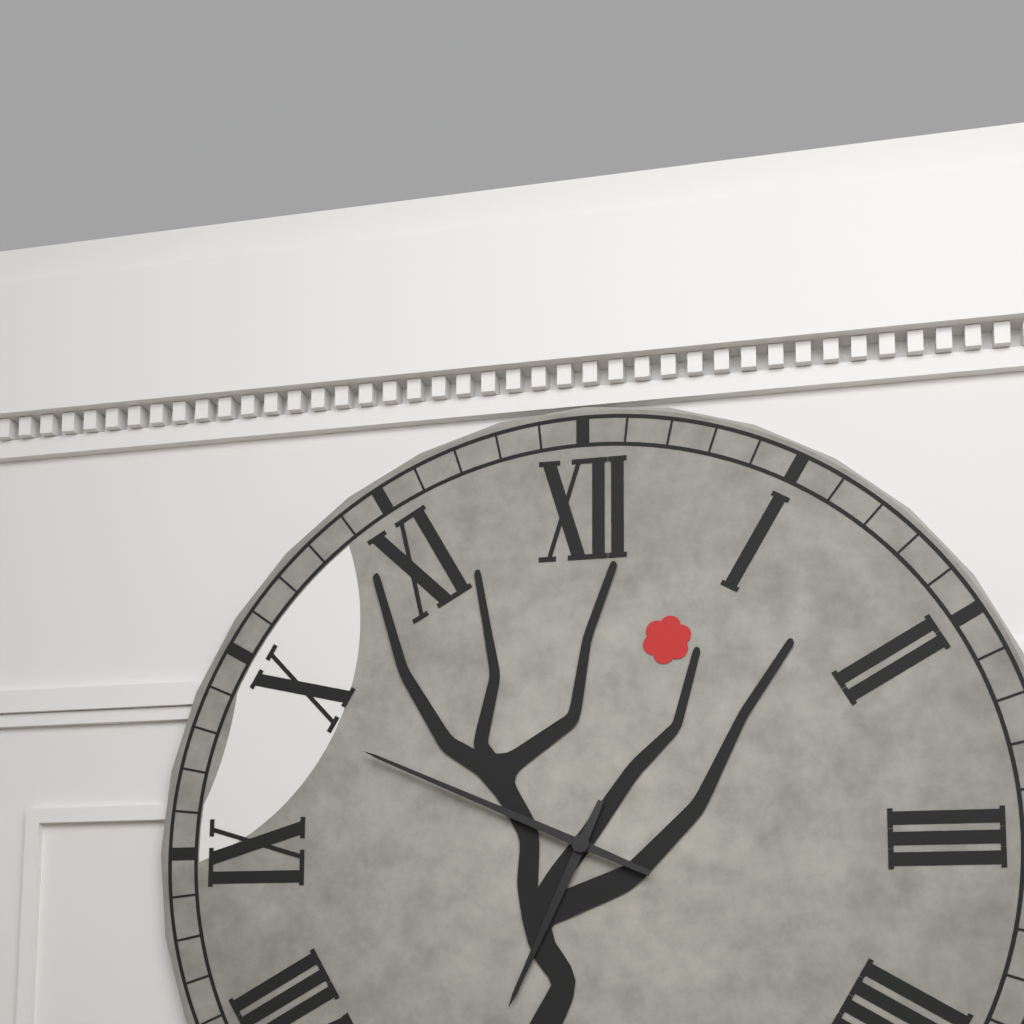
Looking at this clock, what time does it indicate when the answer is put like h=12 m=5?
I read h=6 m=49
